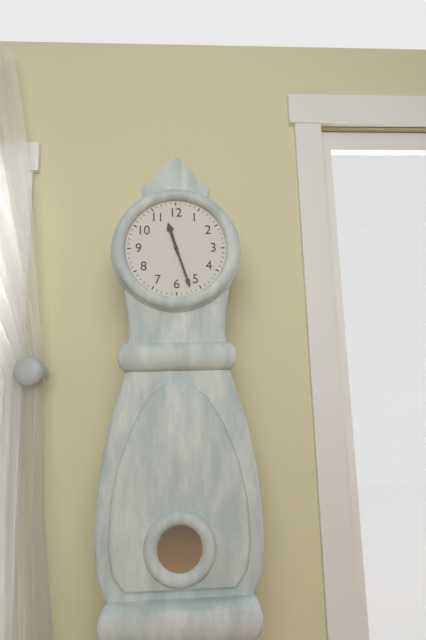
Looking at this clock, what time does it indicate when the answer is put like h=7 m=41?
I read h=11 m=27
